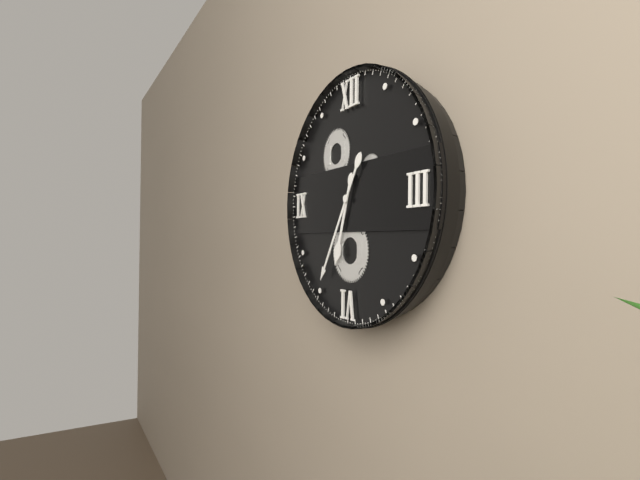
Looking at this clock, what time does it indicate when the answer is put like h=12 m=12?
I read h=6 m=35
